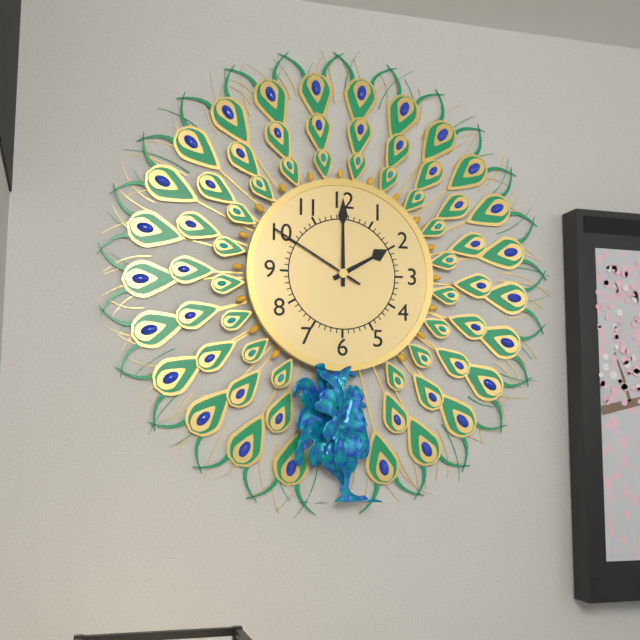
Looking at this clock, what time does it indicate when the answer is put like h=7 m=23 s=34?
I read h=2 m=0 s=50
